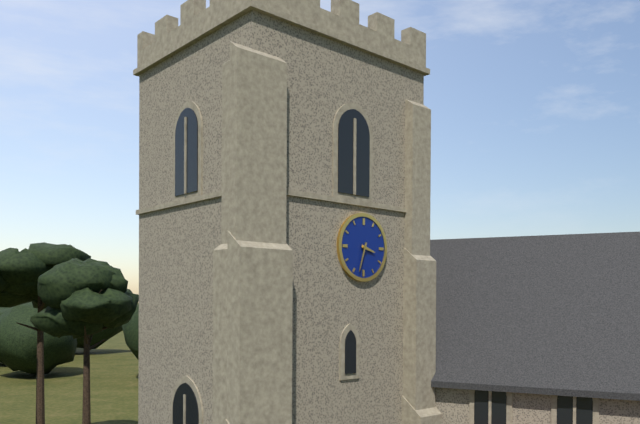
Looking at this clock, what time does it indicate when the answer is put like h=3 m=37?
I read h=3 m=33
